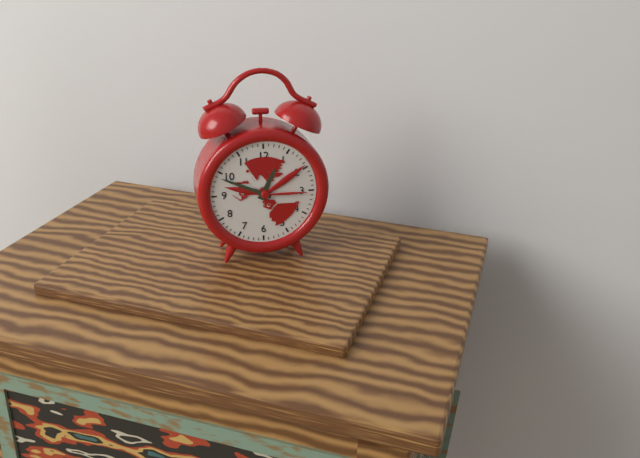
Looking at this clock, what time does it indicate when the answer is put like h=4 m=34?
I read h=12 m=49
